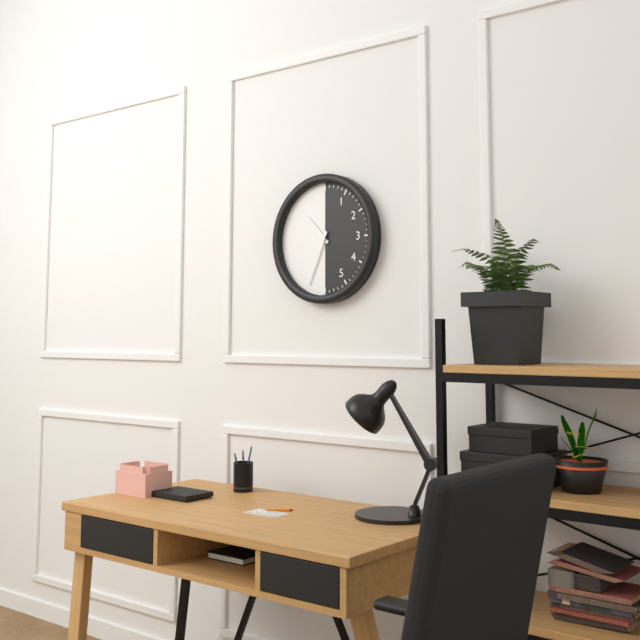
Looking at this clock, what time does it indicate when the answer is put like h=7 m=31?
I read h=10 m=34
